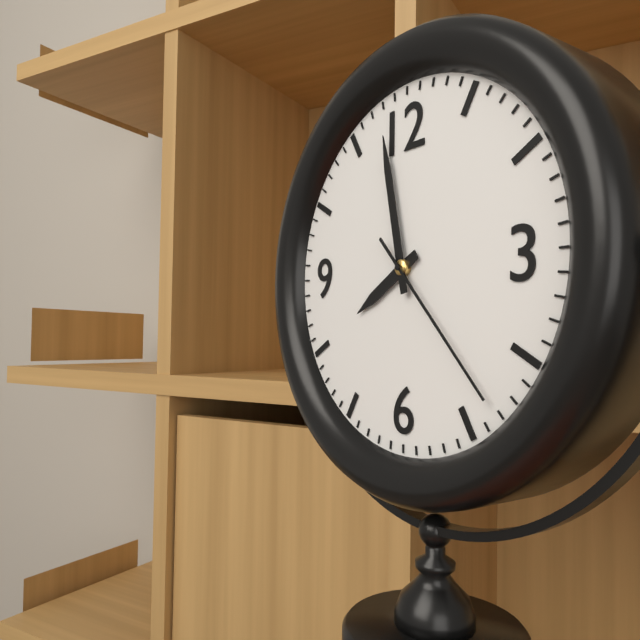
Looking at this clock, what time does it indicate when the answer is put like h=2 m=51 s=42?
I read h=7 m=58 s=23
